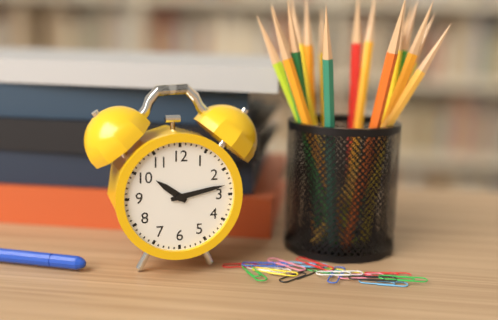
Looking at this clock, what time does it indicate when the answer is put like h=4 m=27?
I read h=10 m=13
